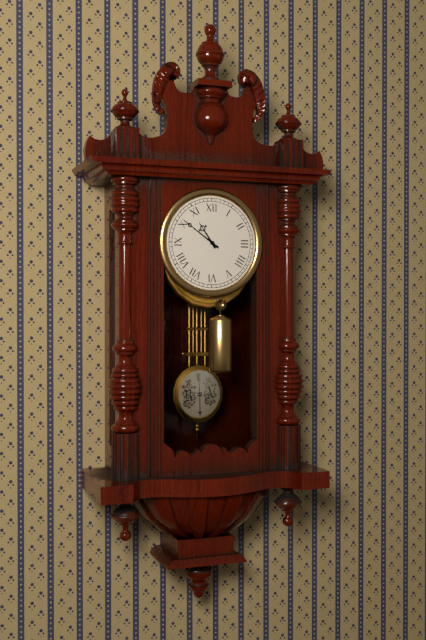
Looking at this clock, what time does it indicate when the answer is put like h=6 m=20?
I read h=10 m=51
